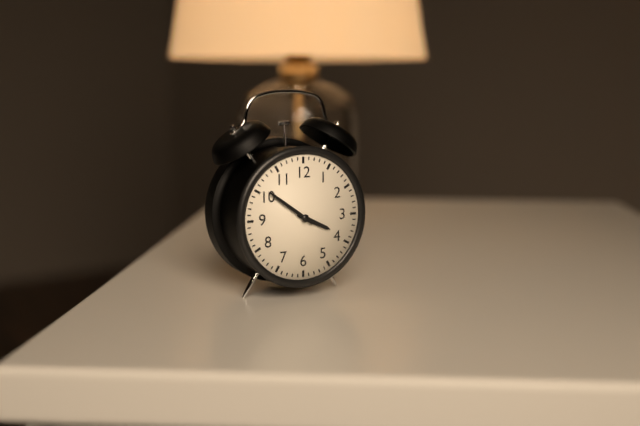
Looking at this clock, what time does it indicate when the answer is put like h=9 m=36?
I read h=3 m=51
